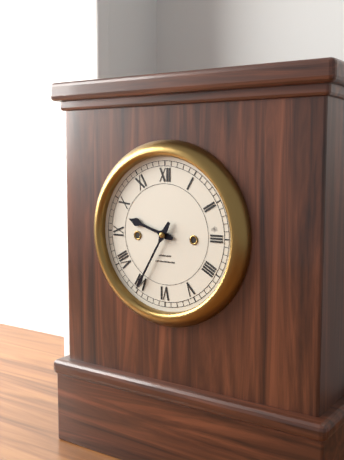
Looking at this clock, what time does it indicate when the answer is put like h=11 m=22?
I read h=9 m=35
